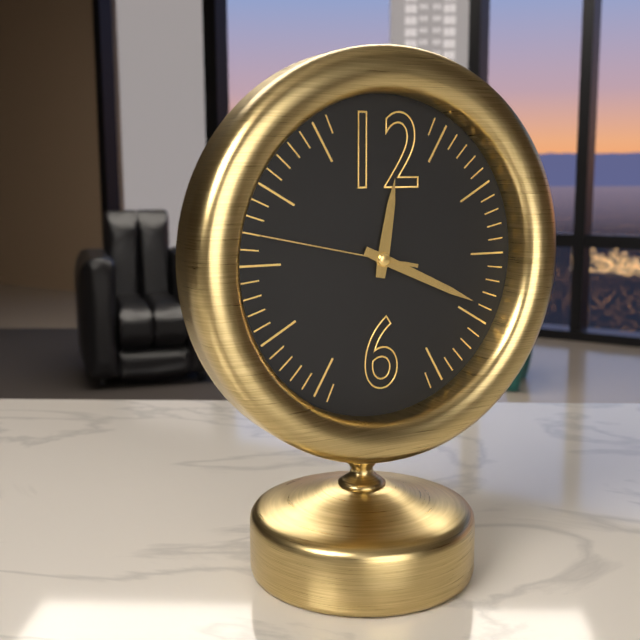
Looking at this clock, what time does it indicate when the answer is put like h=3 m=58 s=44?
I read h=12 m=19 s=47
